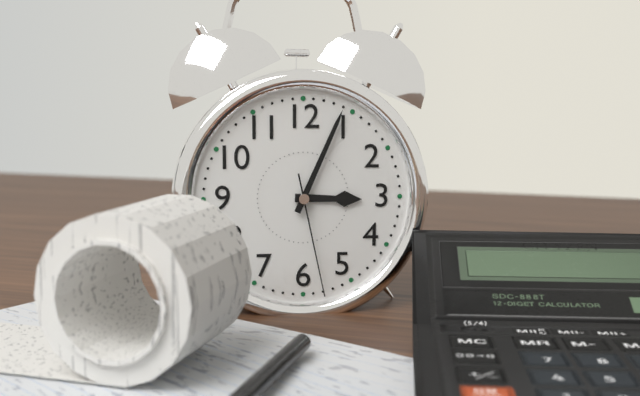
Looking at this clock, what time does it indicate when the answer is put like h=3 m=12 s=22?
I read h=3 m=4 s=28
